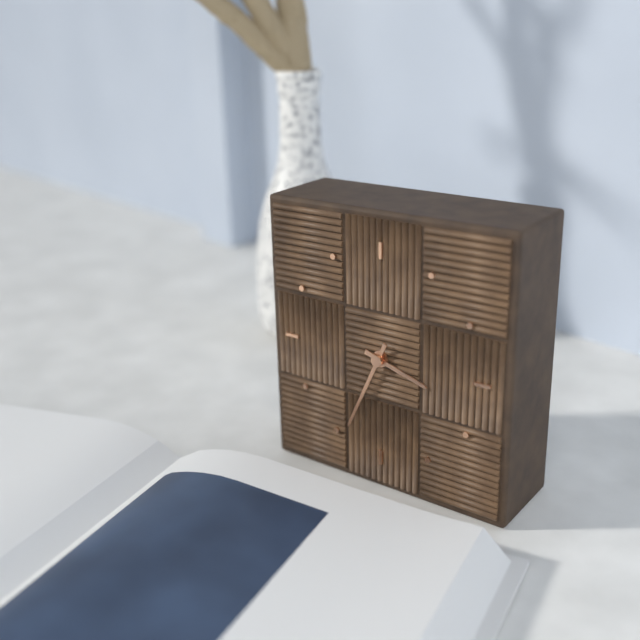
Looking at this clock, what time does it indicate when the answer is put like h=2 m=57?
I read h=3 m=34
